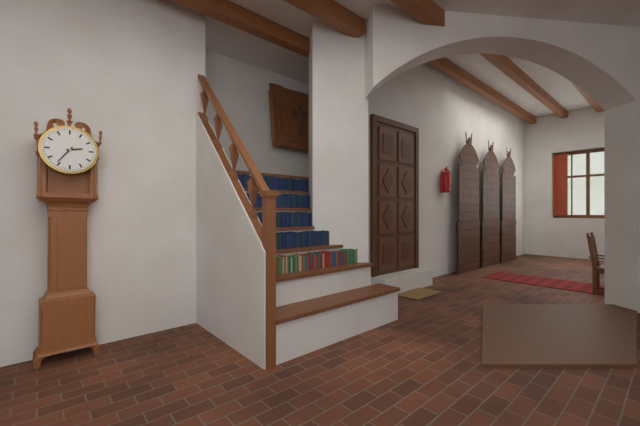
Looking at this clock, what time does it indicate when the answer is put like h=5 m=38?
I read h=2 m=36
